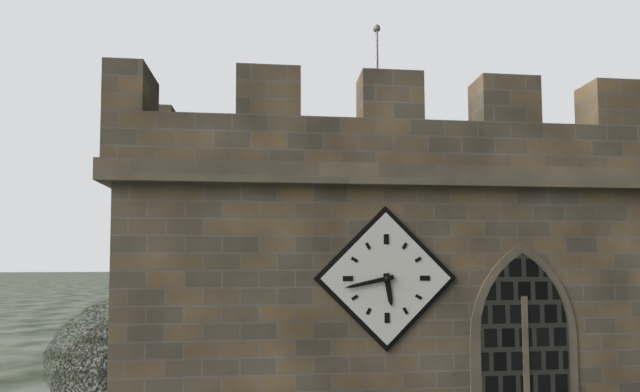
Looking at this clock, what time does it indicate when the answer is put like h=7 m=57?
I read h=5 m=43
